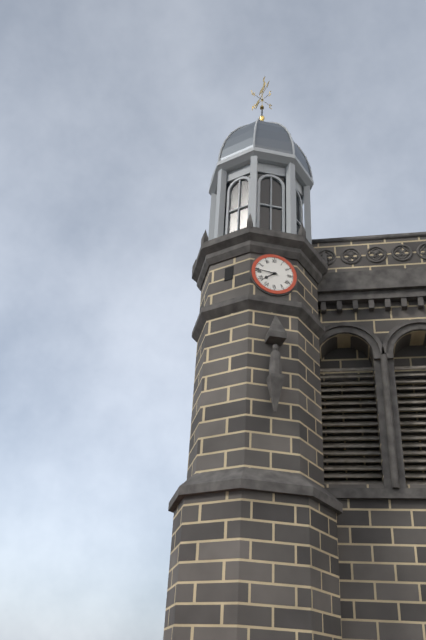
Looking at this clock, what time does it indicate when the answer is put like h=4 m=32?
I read h=7 m=46
